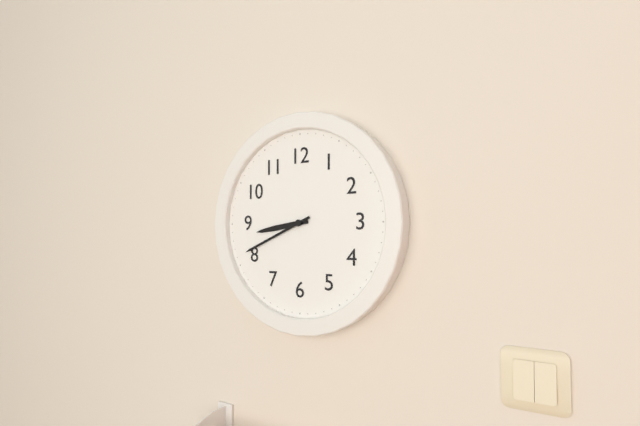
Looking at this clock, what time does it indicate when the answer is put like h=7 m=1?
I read h=8 m=41
